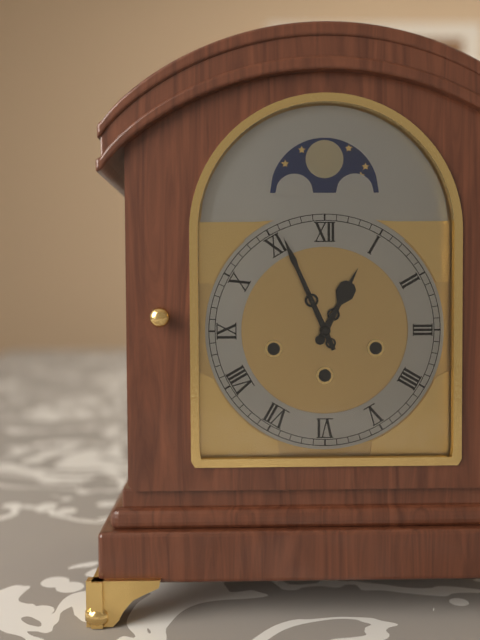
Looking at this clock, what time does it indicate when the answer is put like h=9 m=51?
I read h=12 m=56
